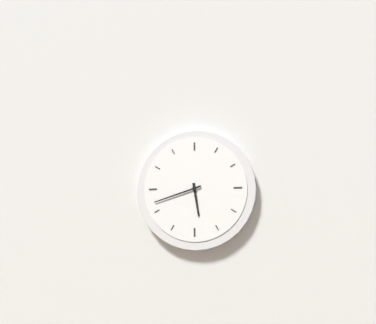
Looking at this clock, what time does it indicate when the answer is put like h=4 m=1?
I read h=5 m=42
